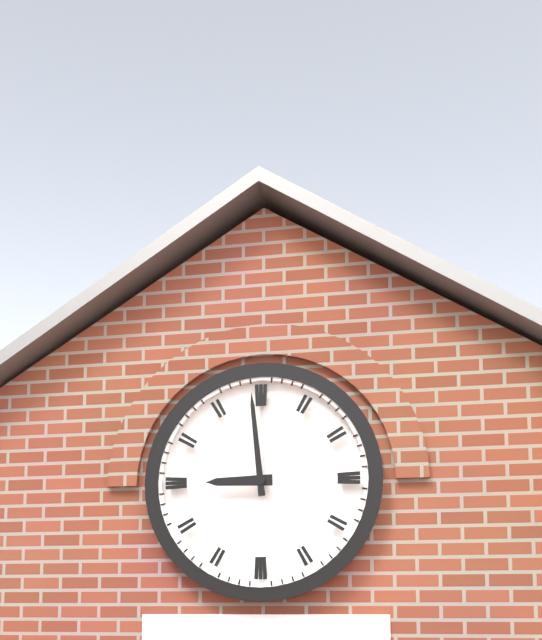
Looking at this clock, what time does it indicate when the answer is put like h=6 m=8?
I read h=8 m=59
